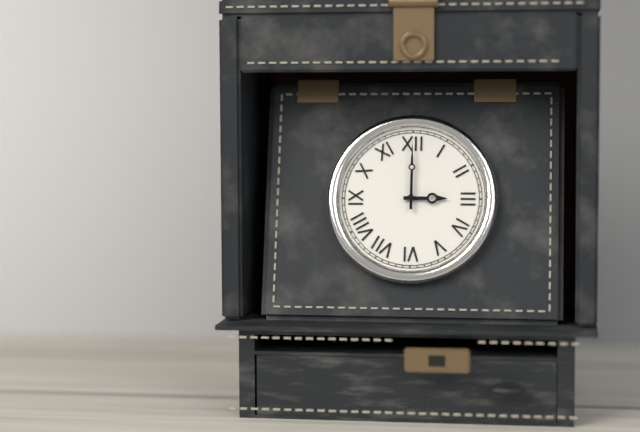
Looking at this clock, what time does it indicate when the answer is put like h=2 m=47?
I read h=3 m=0
